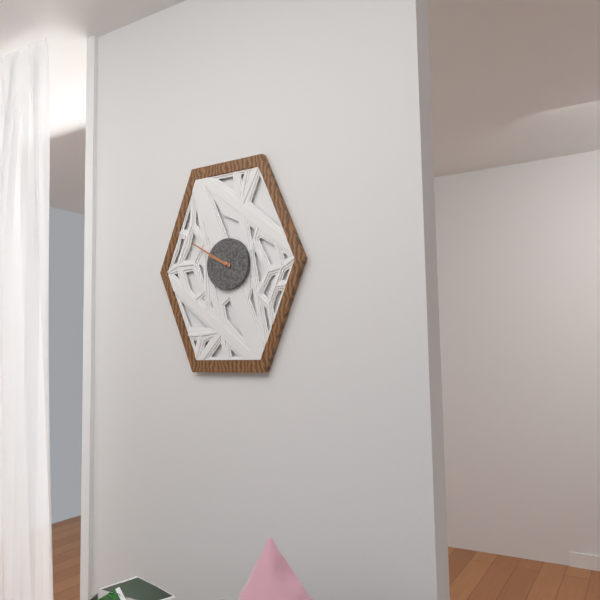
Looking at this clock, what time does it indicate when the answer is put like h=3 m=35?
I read h=9 m=50
